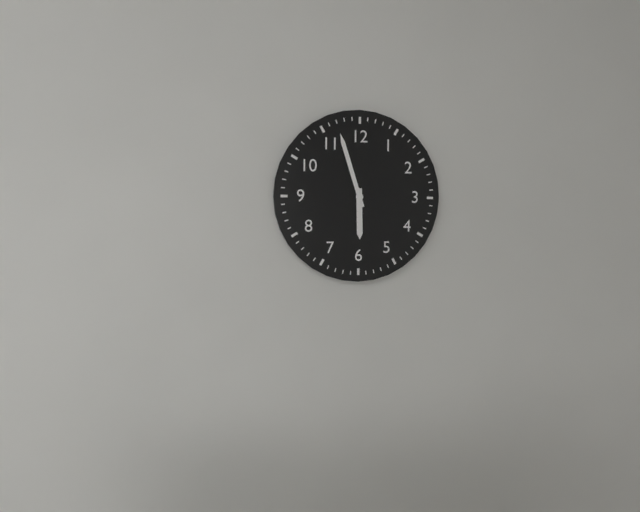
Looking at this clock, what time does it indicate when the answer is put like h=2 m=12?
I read h=5 m=57
